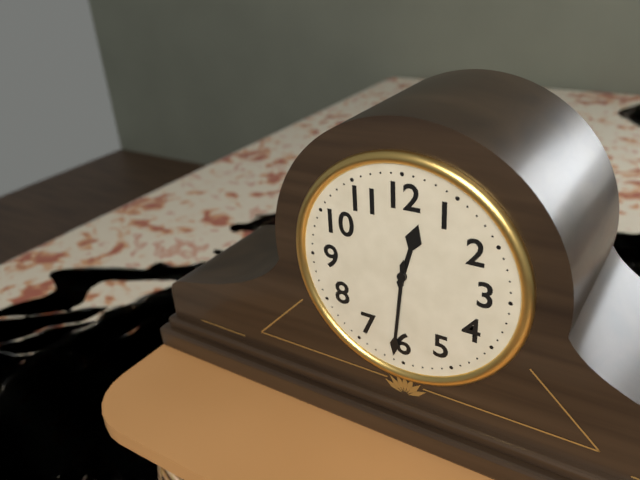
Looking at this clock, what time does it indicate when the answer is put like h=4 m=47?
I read h=12 m=31
